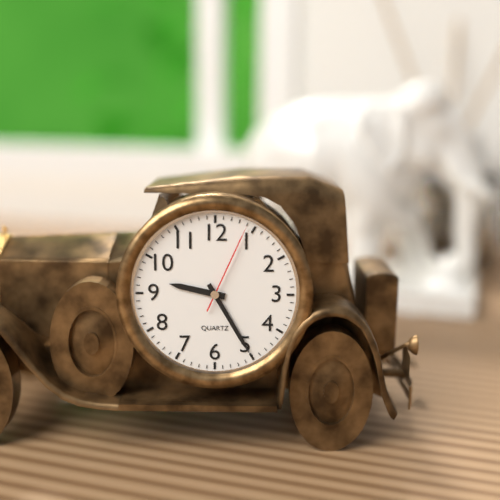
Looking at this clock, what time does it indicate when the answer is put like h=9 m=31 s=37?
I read h=9 m=25 s=4
